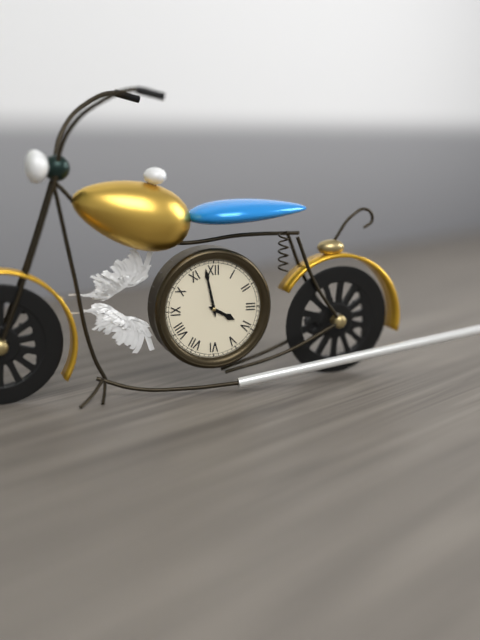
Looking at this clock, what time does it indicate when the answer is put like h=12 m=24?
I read h=3 m=58
